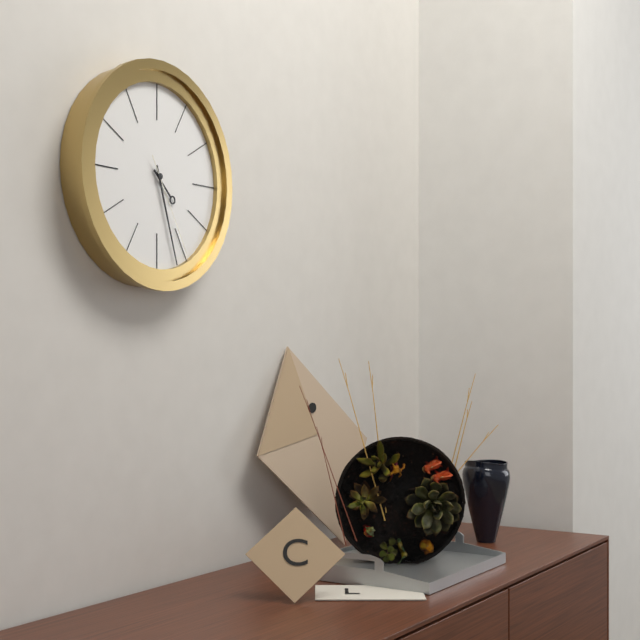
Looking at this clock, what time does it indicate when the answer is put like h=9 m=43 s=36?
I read h=4 m=27 s=25
